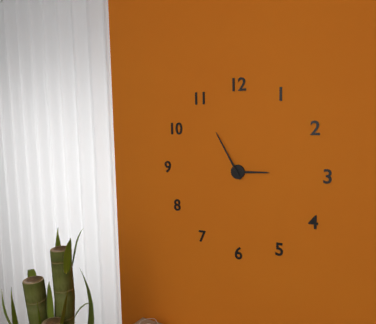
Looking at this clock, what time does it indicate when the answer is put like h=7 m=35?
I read h=2 m=55
